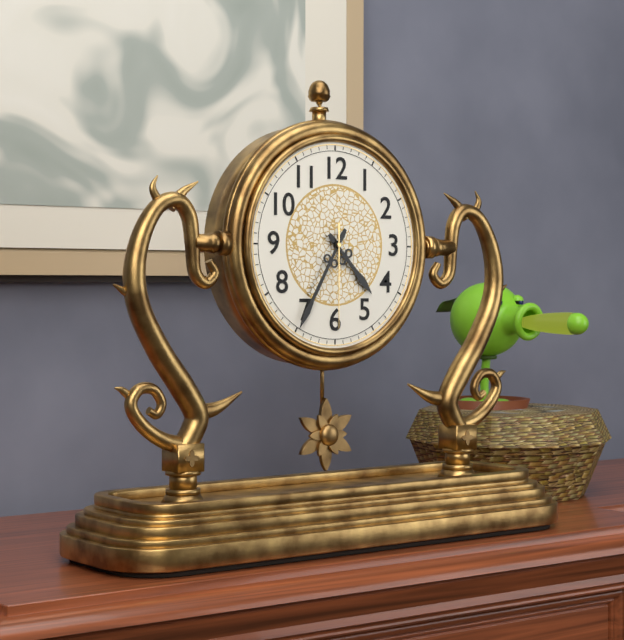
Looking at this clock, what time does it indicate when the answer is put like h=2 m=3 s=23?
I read h=4 m=35 s=30
